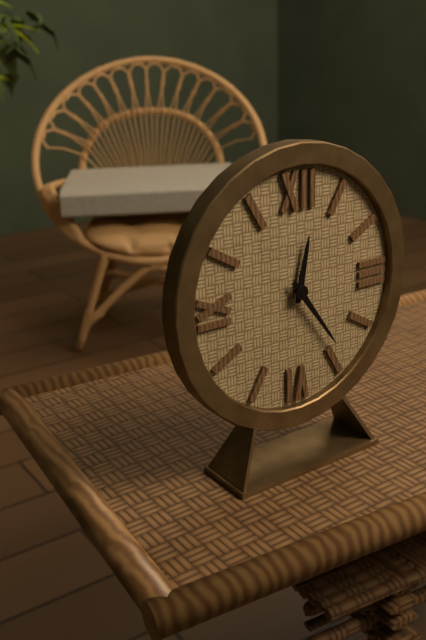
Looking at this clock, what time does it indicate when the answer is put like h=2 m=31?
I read h=12 m=24
